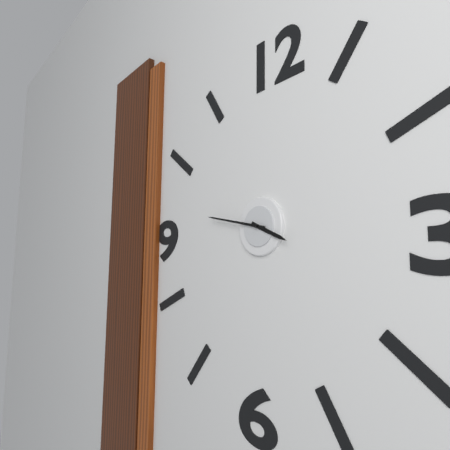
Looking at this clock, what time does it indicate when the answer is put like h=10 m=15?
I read h=3 m=47
